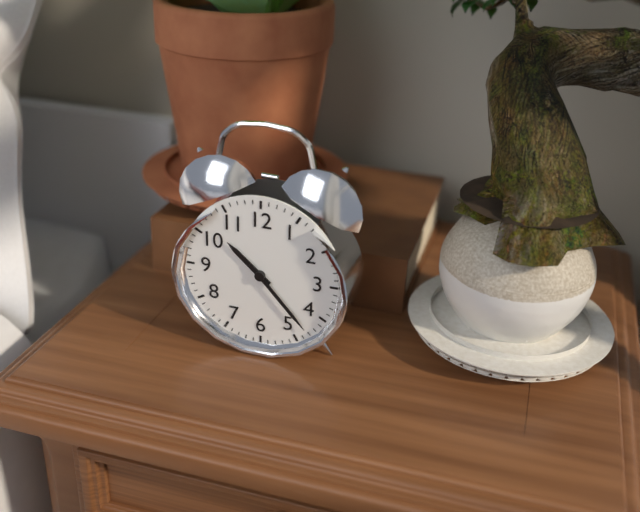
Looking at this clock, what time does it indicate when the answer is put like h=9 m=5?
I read h=10 m=23
